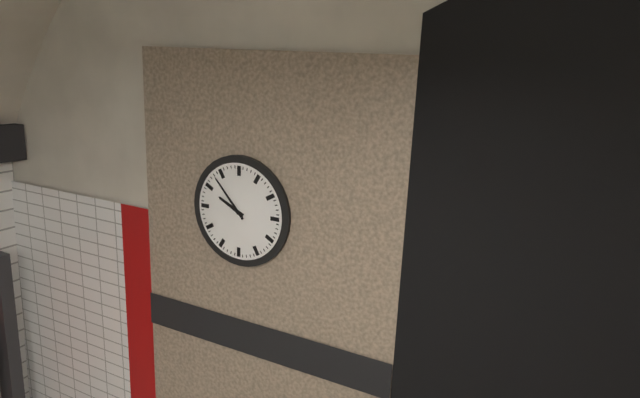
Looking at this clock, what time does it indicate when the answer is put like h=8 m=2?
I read h=9 m=53
